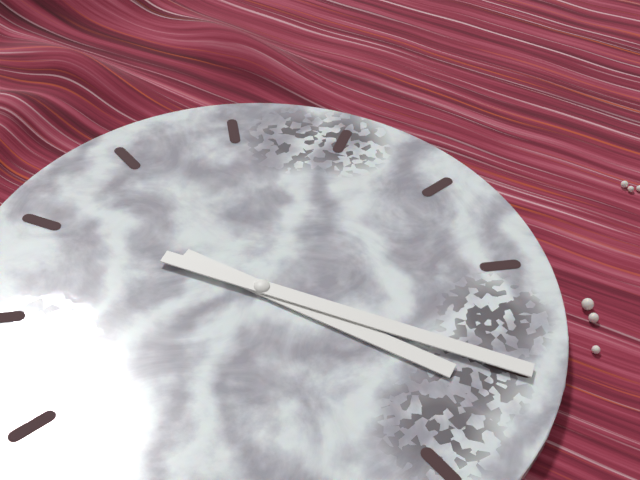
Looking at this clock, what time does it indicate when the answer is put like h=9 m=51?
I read h=3 m=15
